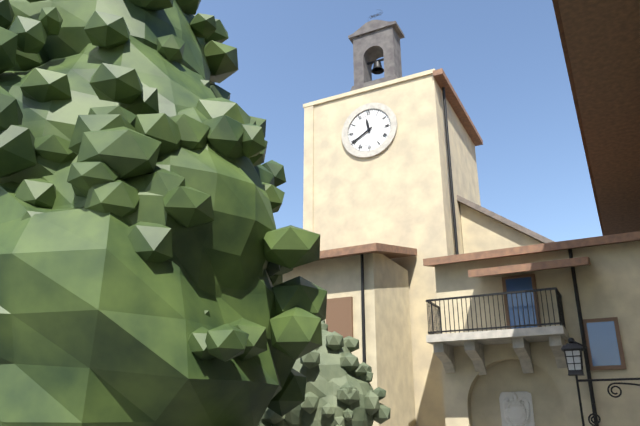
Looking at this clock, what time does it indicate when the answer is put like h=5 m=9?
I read h=11 m=40
